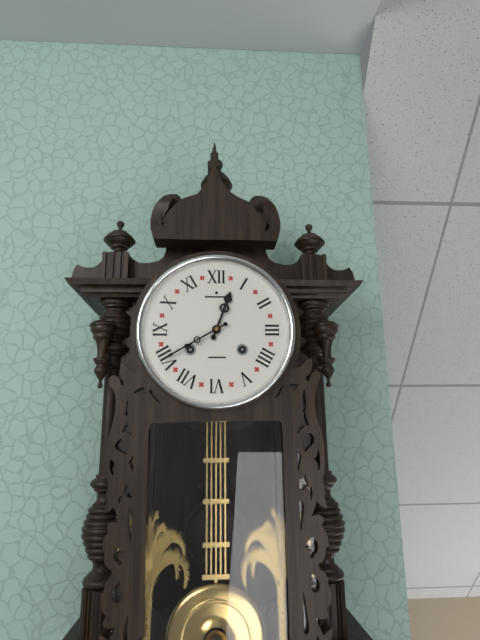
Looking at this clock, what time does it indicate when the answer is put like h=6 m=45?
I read h=12 m=40
